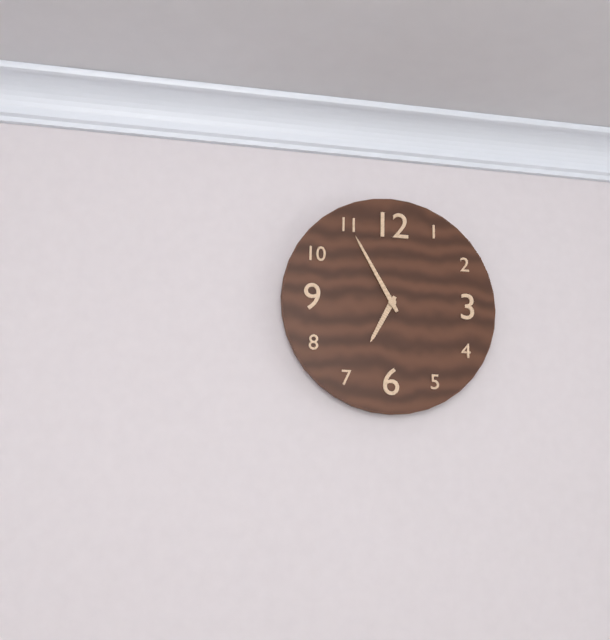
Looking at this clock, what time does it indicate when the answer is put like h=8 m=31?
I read h=6 m=55
